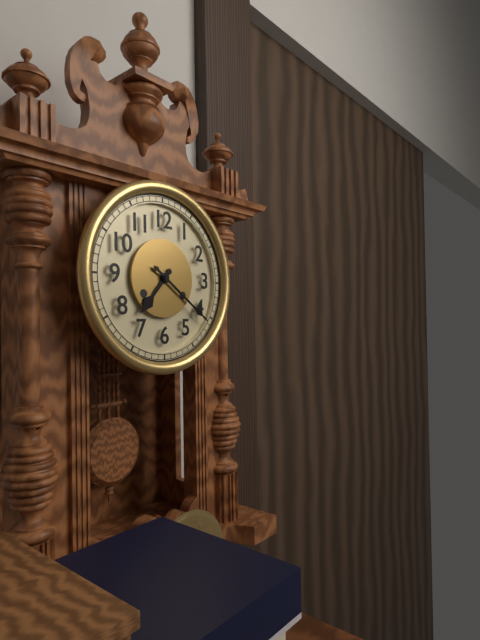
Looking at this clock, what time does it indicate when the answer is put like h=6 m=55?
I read h=7 m=21
